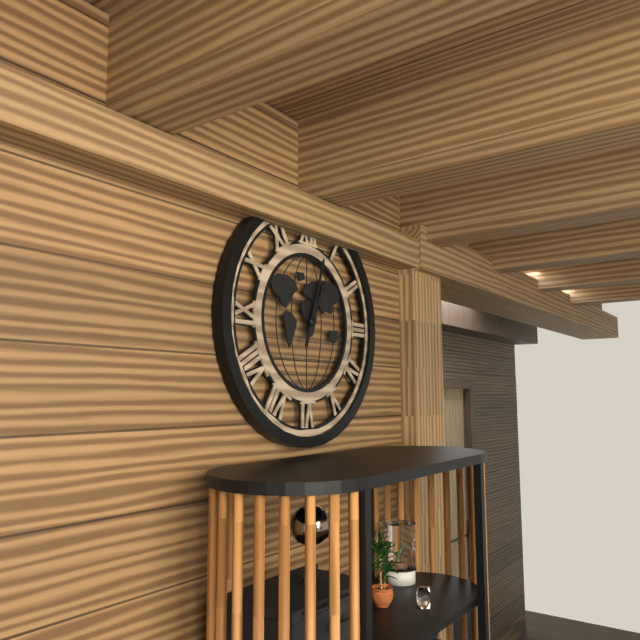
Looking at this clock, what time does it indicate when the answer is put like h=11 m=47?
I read h=1 m=3
